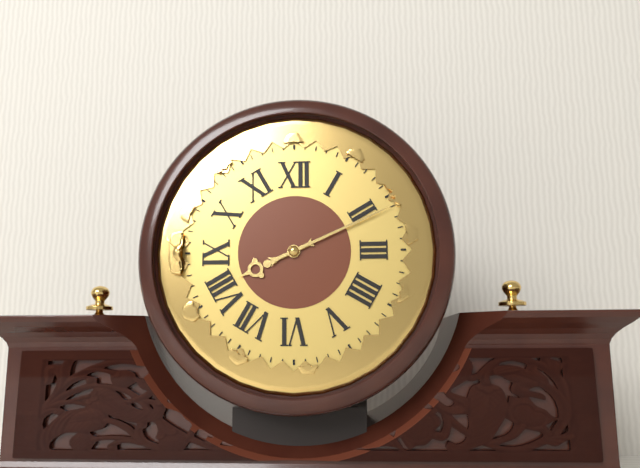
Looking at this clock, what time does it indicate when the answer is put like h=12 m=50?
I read h=8 m=11
